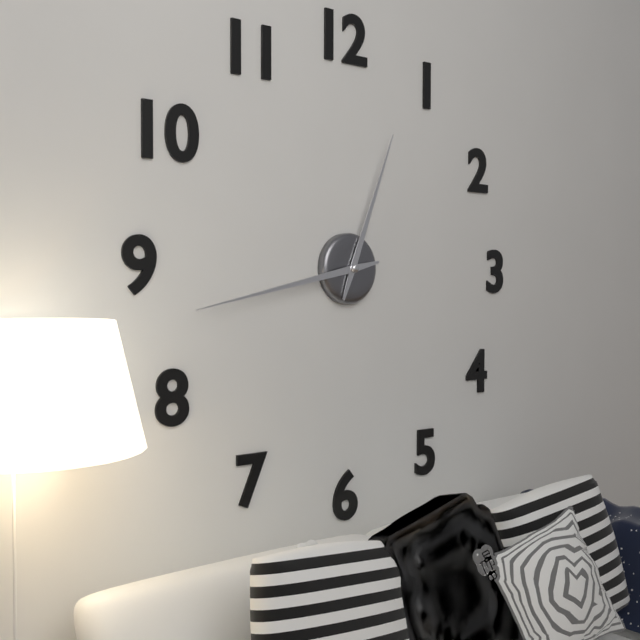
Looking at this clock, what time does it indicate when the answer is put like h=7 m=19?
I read h=12 m=43
